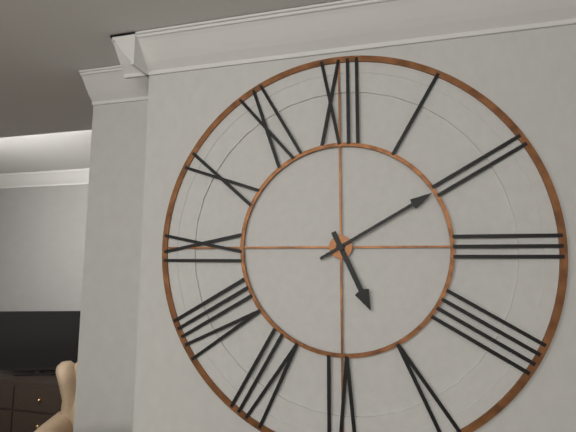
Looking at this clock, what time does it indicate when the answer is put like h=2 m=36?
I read h=5 m=10
